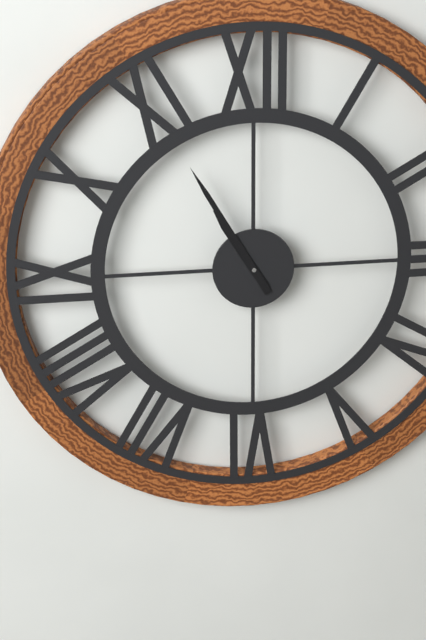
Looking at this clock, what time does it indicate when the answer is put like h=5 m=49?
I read h=10 m=55
